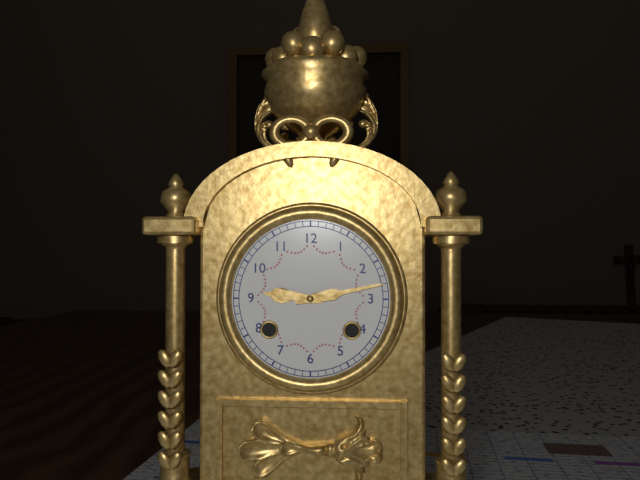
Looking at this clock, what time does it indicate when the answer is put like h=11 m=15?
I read h=9 m=13
